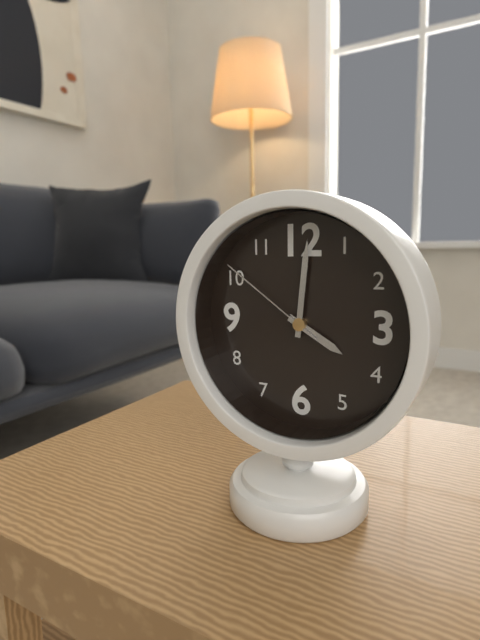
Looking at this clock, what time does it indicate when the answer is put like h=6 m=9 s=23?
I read h=4 m=1 s=51
